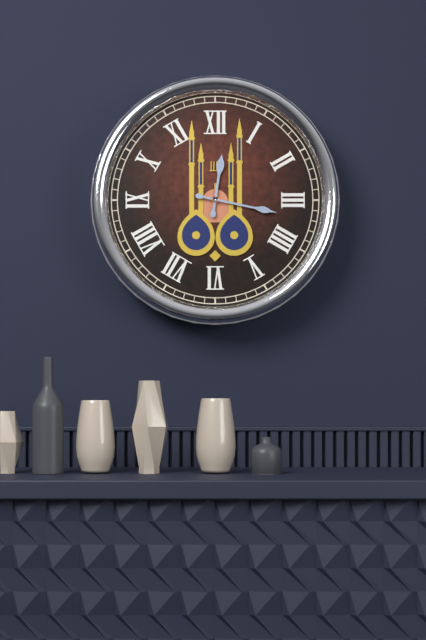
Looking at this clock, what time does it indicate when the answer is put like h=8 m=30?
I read h=12 m=17
